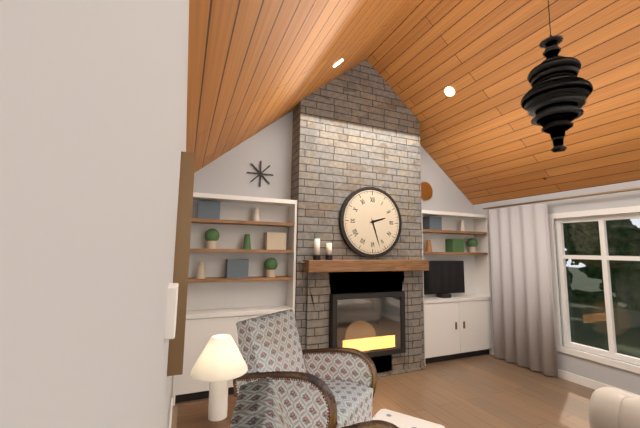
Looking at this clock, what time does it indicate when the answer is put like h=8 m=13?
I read h=2 m=27
